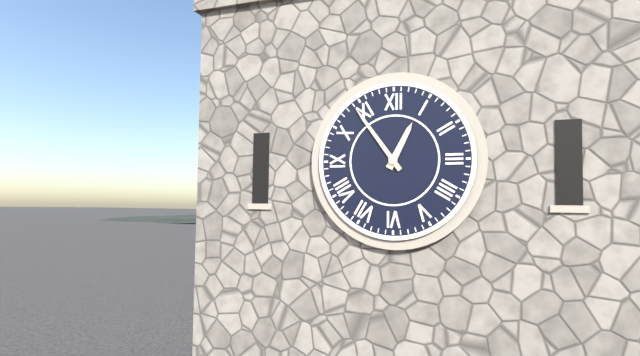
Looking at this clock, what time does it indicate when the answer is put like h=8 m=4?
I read h=12 m=54
